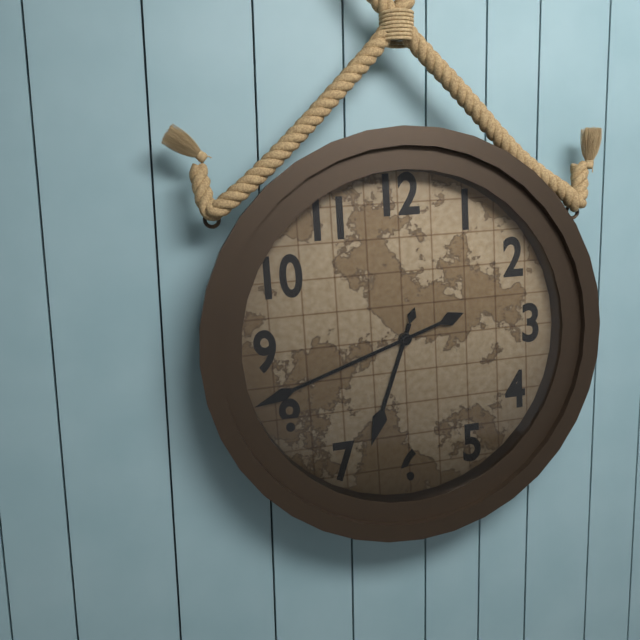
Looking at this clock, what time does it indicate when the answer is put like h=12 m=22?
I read h=6 m=42
